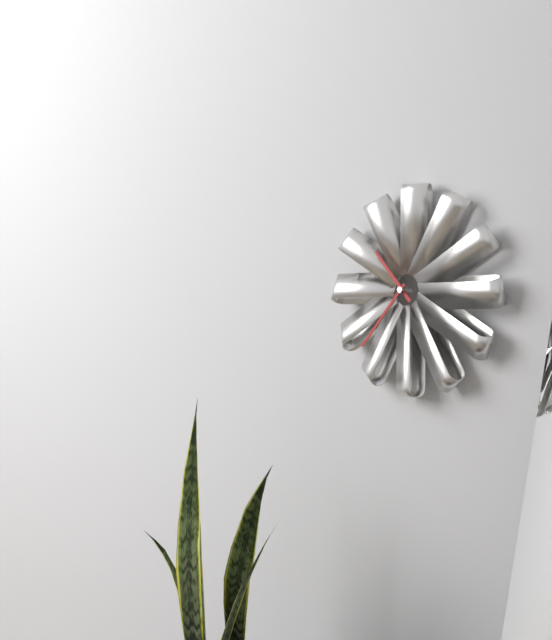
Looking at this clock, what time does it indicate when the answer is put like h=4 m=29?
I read h=10 m=37
